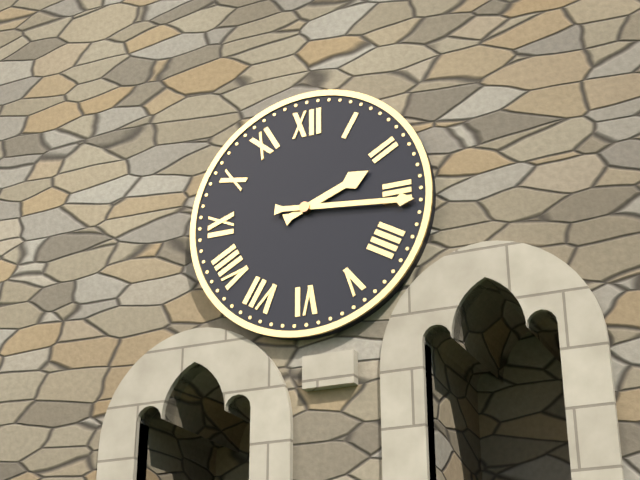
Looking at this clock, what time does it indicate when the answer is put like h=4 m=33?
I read h=2 m=16
